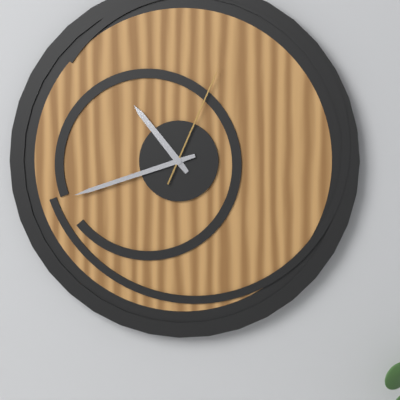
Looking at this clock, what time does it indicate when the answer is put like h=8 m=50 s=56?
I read h=10 m=42 s=4
